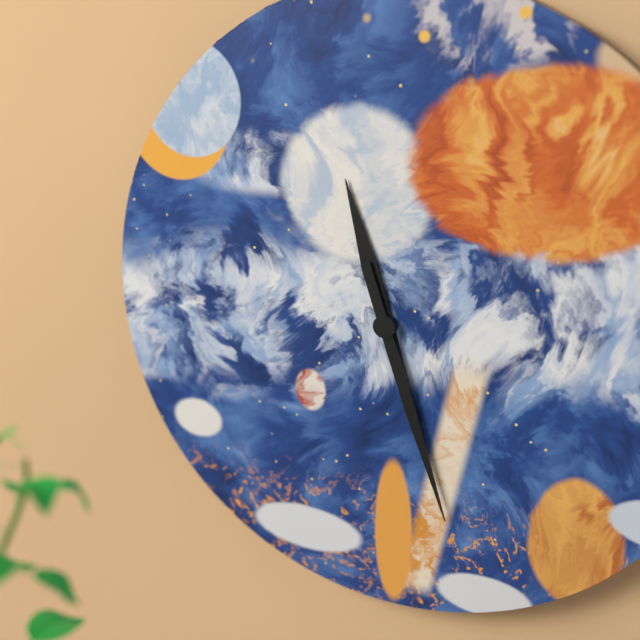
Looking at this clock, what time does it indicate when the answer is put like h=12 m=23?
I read h=11 m=27
